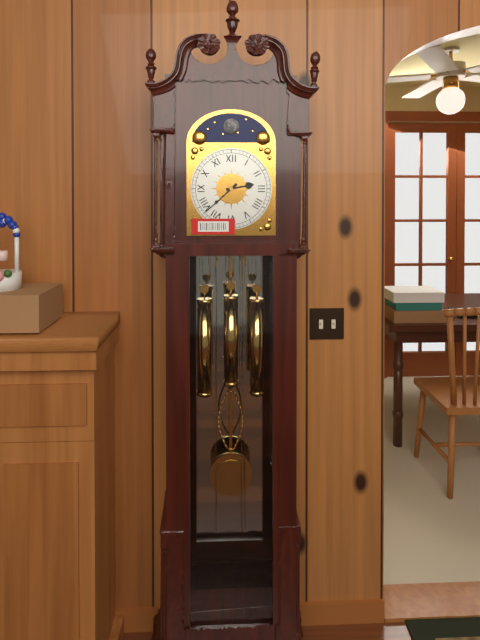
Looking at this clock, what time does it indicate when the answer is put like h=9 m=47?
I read h=2 m=38
